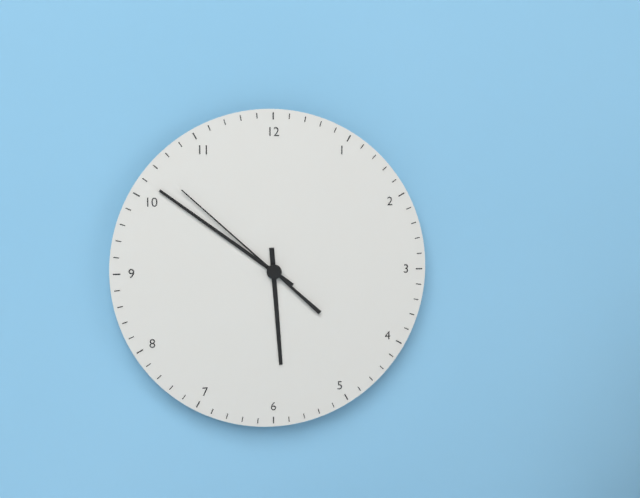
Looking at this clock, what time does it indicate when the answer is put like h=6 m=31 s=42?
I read h=5 m=51 s=52
